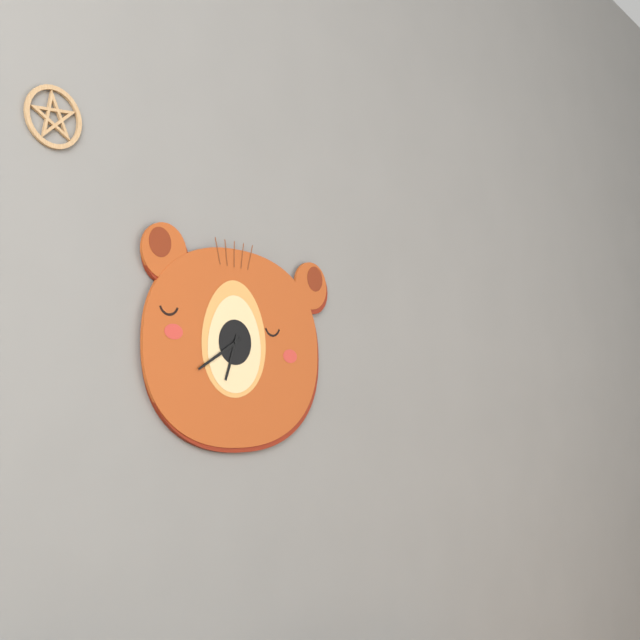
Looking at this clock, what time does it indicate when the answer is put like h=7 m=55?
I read h=6 m=40
